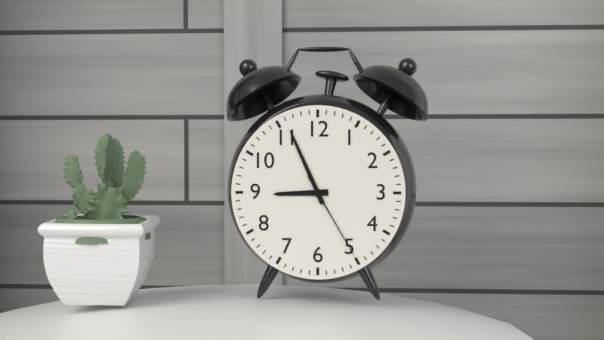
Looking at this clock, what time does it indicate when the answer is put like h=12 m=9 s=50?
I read h=8 m=56 s=25
